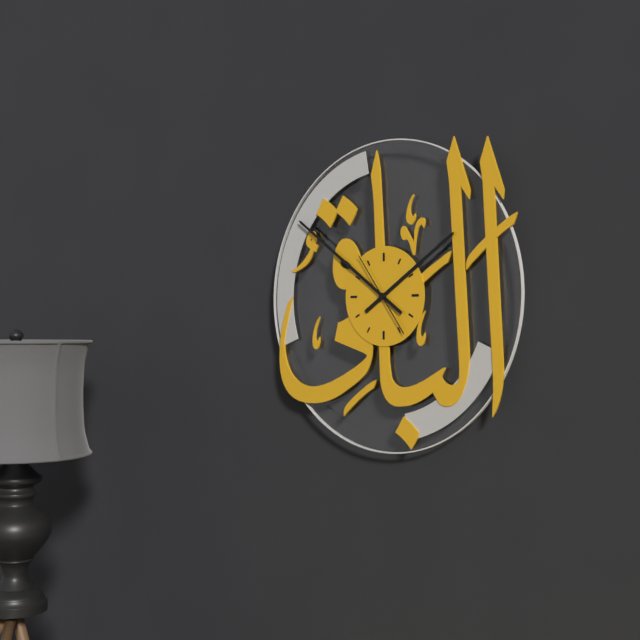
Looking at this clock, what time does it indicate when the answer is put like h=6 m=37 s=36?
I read h=1 m=51 s=54
